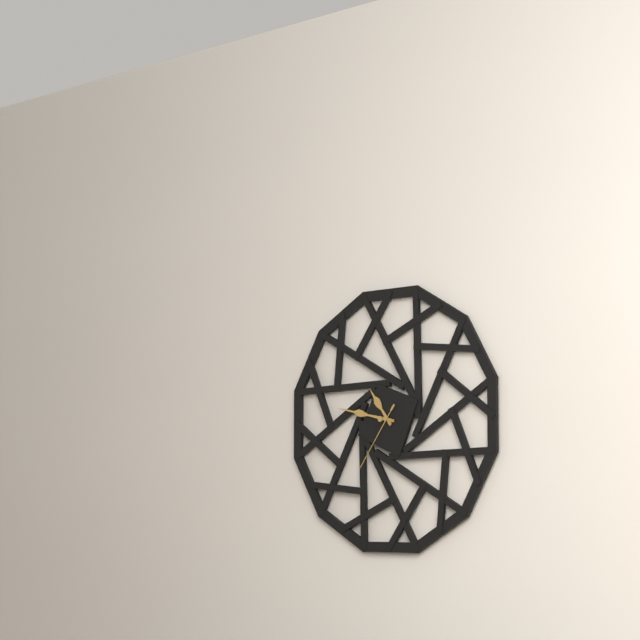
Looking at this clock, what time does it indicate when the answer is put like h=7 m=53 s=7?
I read h=10 m=47 s=36
